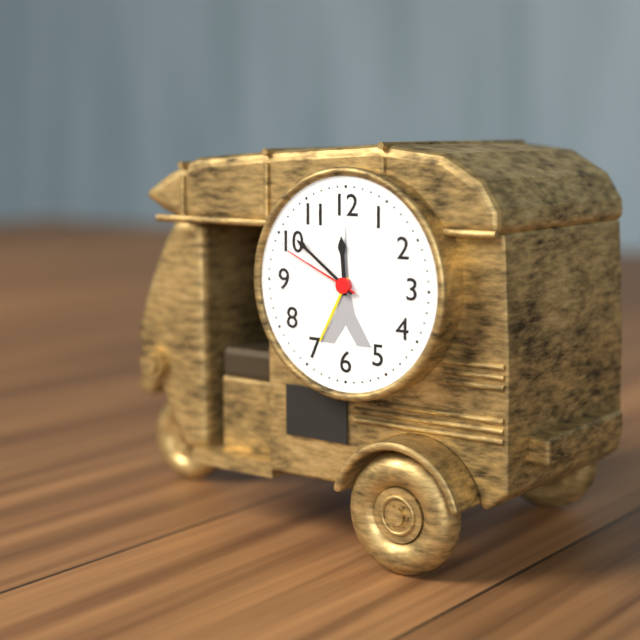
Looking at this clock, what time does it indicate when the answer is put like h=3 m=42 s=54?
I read h=11 m=51 s=49
